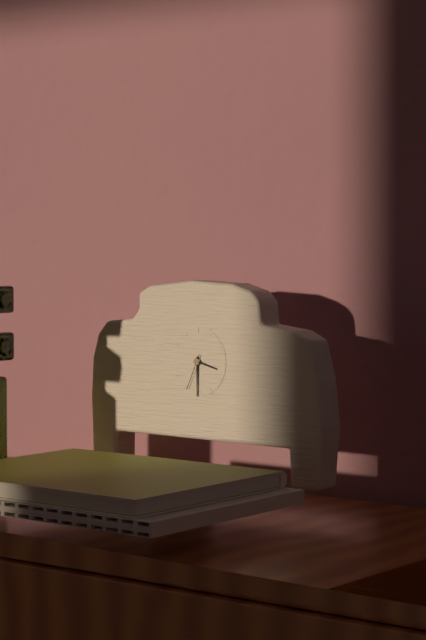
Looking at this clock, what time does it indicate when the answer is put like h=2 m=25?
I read h=3 m=30
